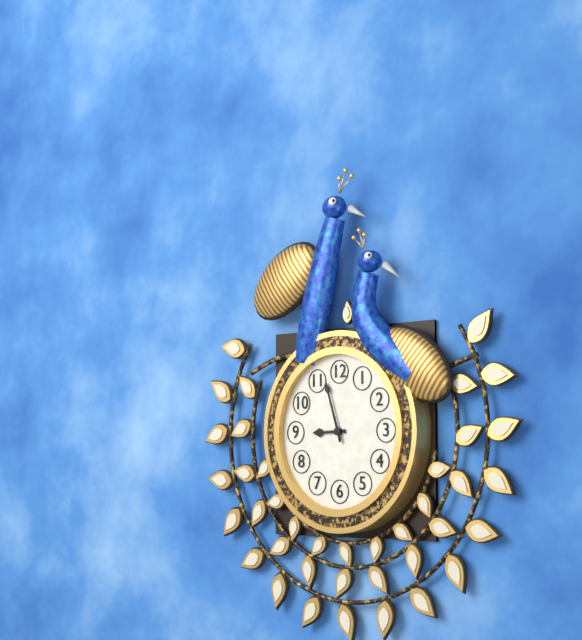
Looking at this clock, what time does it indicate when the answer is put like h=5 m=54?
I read h=8 m=57
